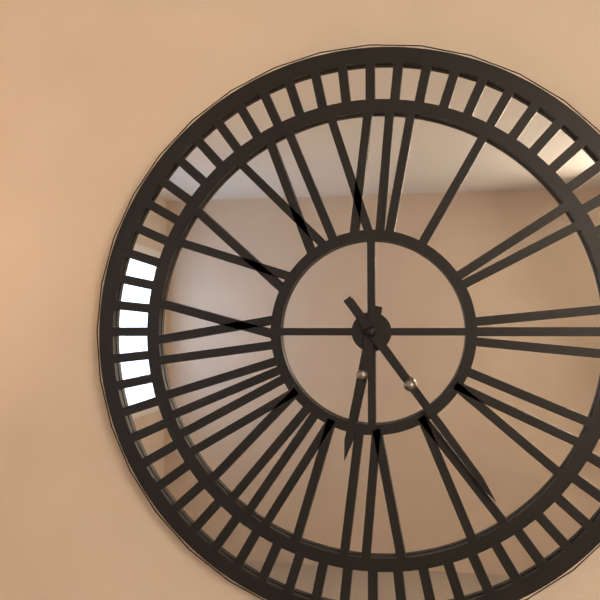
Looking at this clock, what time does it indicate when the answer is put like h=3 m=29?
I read h=6 m=24
